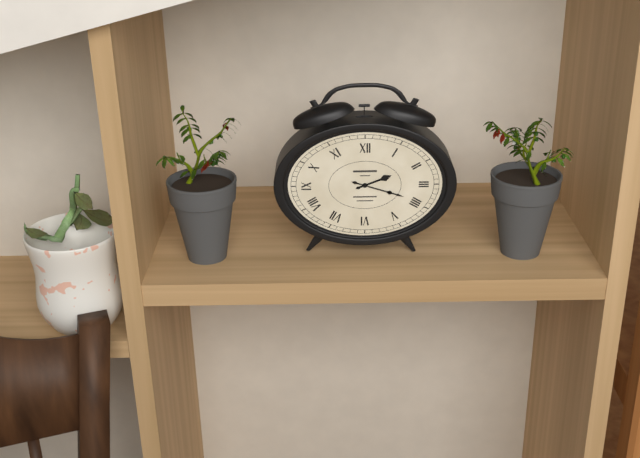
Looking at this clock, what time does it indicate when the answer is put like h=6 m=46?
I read h=2 m=18
